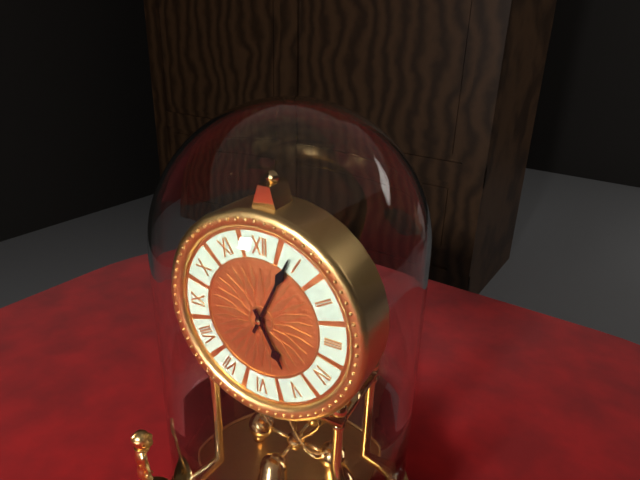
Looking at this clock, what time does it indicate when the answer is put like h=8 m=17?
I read h=5 m=4
